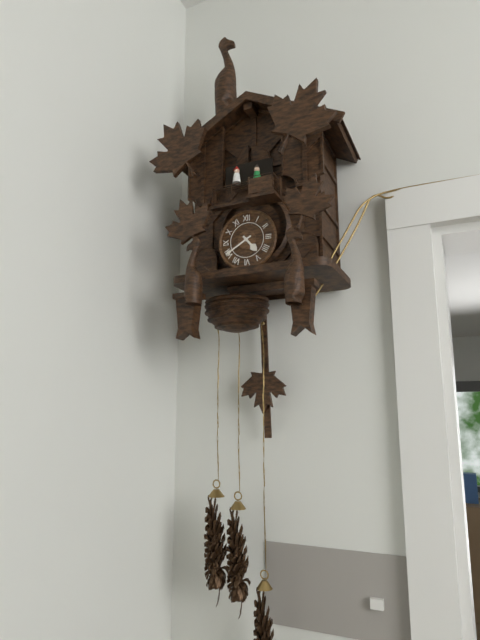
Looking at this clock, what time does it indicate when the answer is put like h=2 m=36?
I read h=4 m=40
